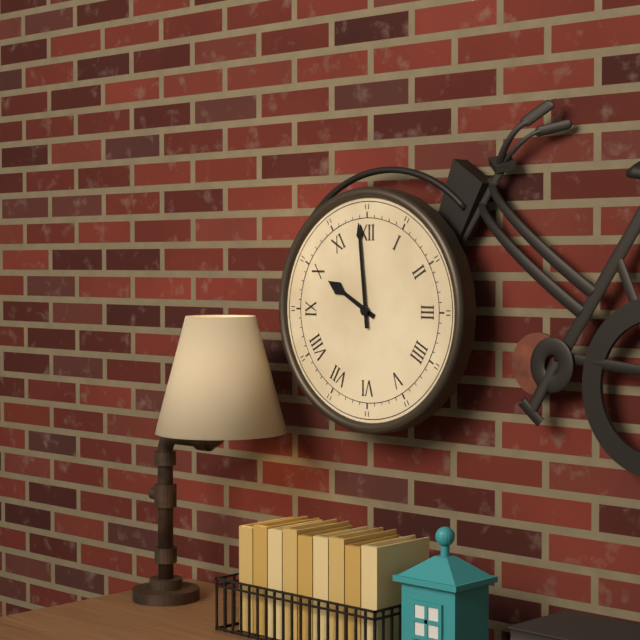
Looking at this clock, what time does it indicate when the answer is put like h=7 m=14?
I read h=9 m=59
